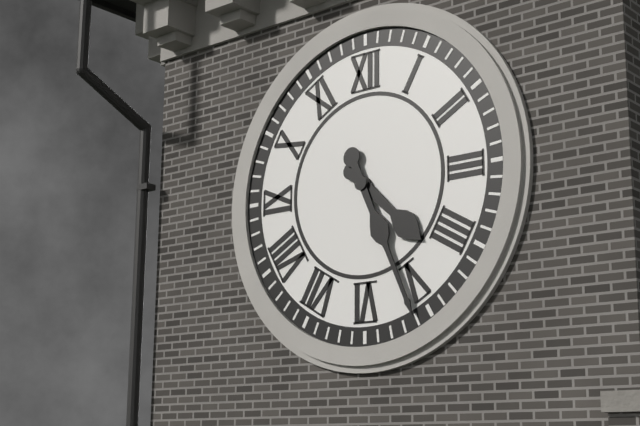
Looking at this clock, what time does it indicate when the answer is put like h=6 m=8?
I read h=4 m=26
